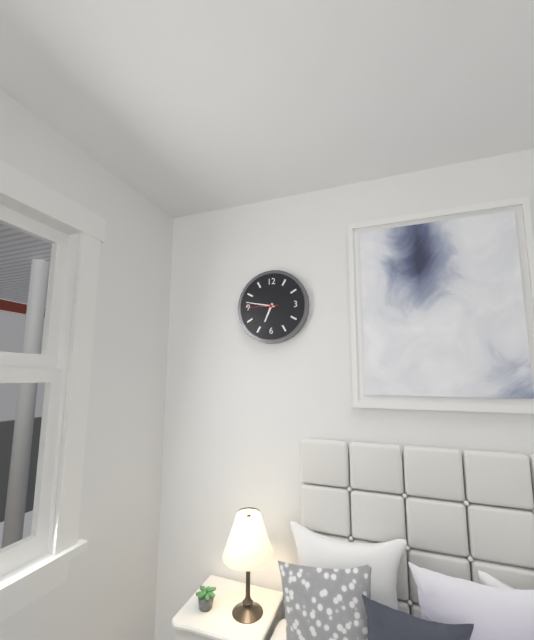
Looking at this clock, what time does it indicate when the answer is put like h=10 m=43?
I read h=6 m=47
